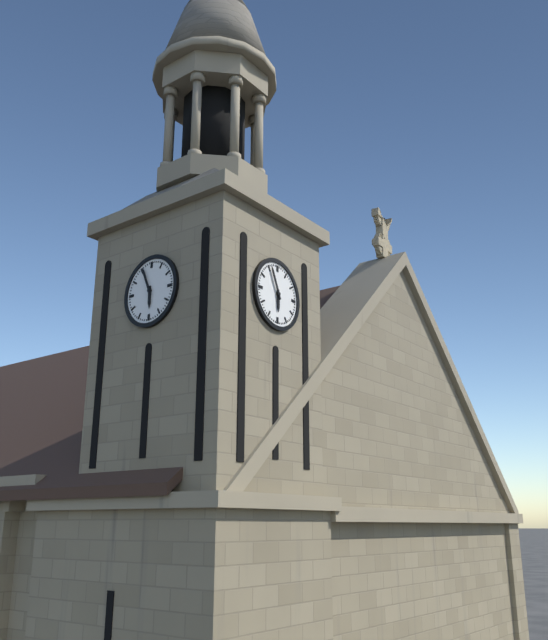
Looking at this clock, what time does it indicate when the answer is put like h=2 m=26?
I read h=5 m=56
